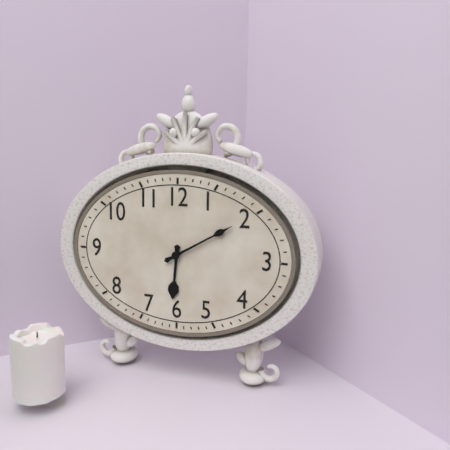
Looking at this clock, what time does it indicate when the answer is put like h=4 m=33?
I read h=6 m=10
